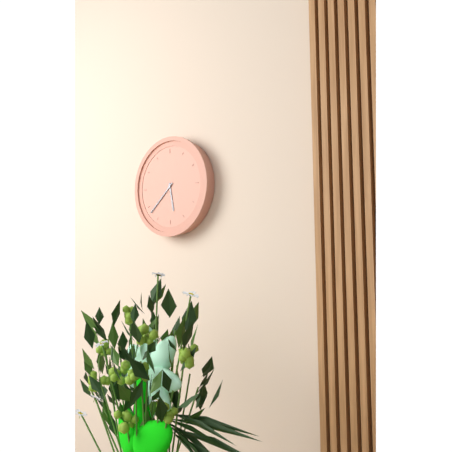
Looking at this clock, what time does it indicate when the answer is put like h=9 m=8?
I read h=5 m=38
